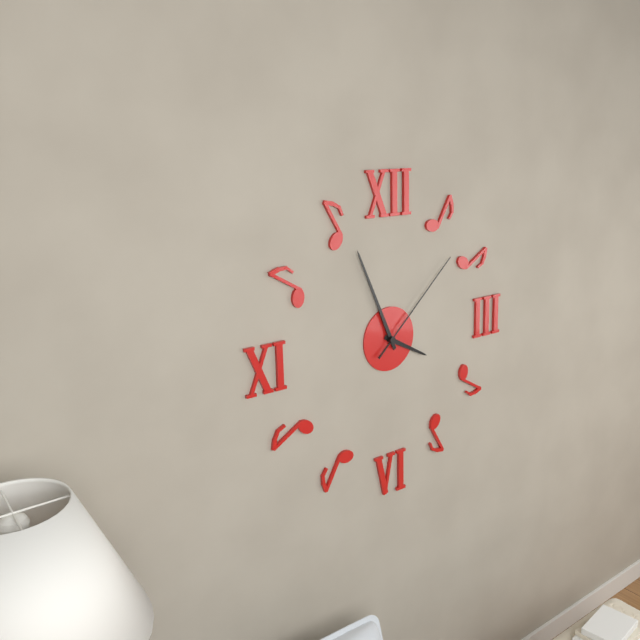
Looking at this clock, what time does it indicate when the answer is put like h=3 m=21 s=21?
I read h=3 m=56 s=8
